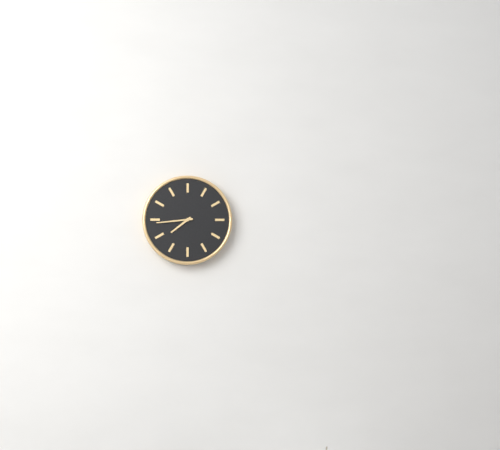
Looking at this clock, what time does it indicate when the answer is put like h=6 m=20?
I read h=7 m=44
